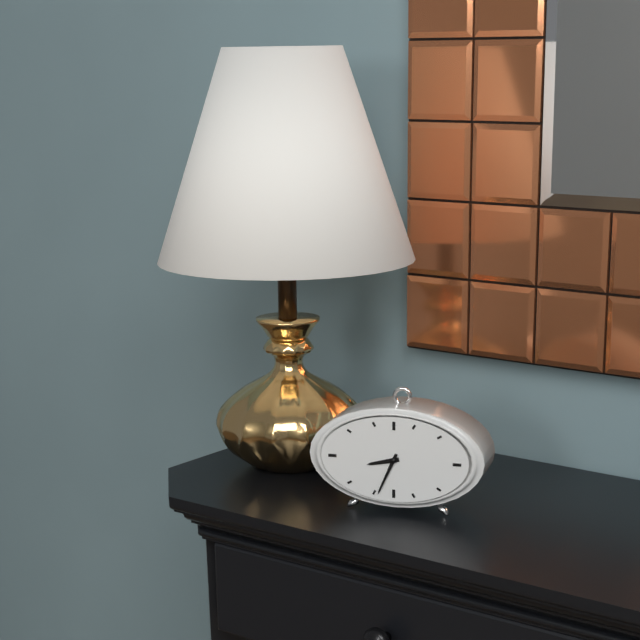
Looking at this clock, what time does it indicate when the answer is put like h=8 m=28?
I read h=8 m=34
